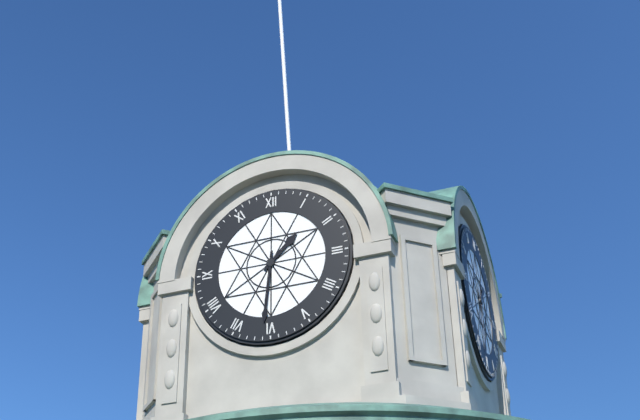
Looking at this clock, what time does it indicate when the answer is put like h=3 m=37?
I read h=1 m=31
